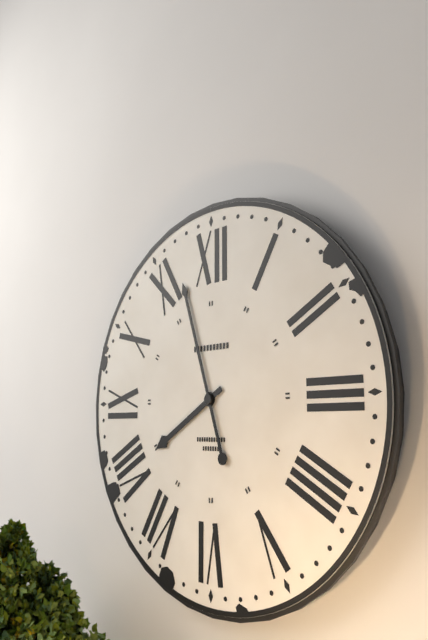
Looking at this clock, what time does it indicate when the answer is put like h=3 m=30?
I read h=7 m=57
